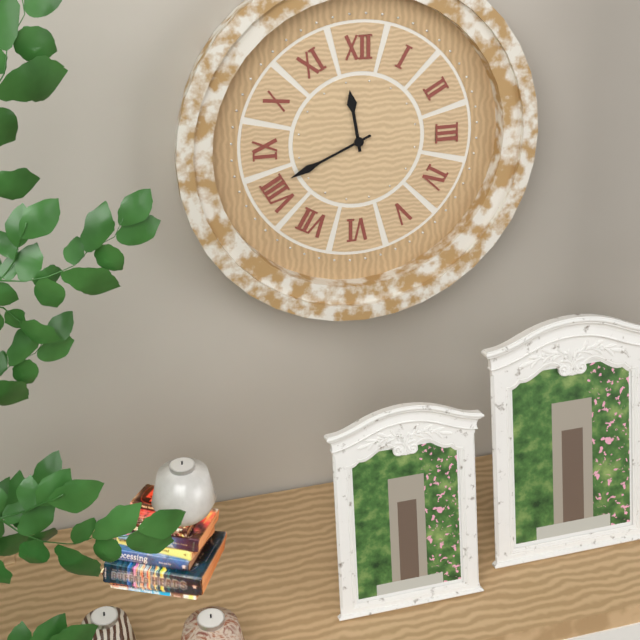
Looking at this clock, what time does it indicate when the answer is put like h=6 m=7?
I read h=11 m=41
